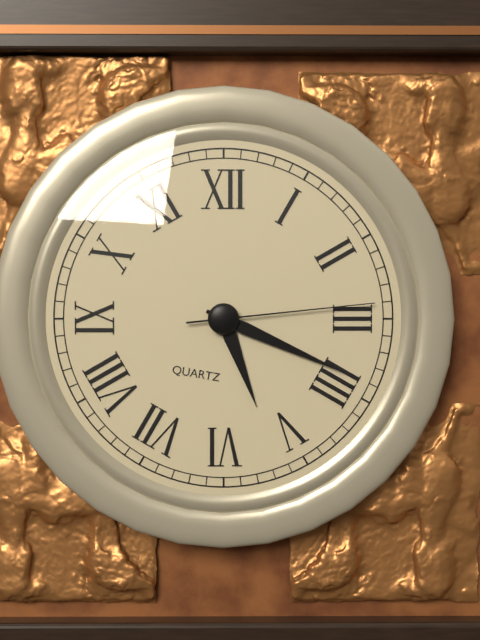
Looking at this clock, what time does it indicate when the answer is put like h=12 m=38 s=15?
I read h=5 m=19 s=14
